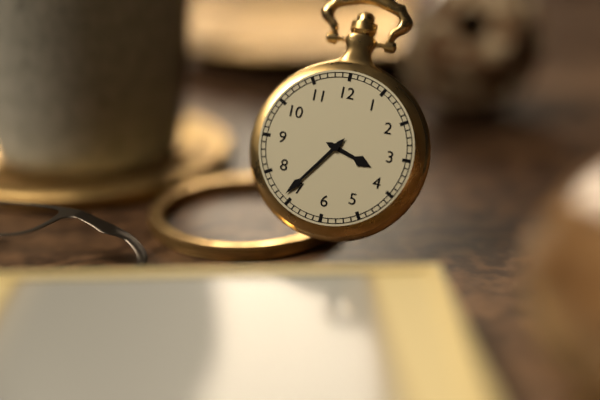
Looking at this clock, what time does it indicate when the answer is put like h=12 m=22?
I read h=3 m=36
